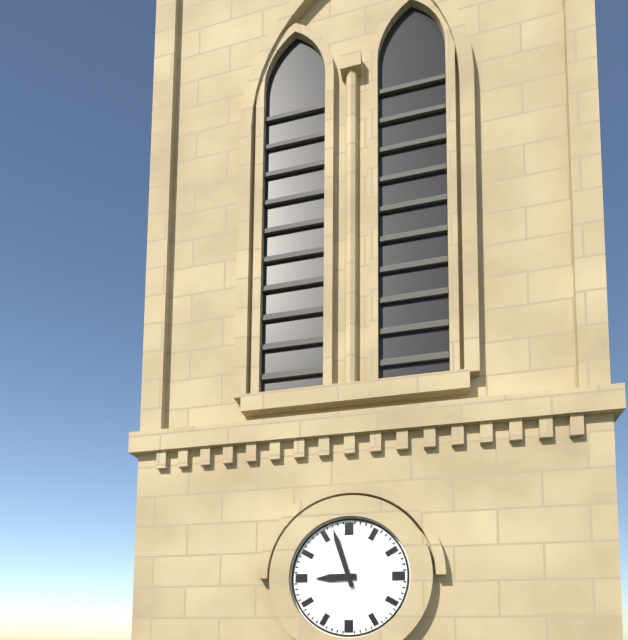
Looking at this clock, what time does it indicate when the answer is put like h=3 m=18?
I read h=8 m=57
